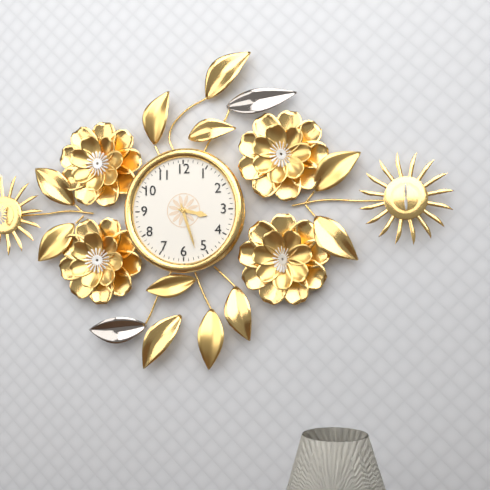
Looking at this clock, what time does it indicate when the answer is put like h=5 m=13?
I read h=3 m=27
